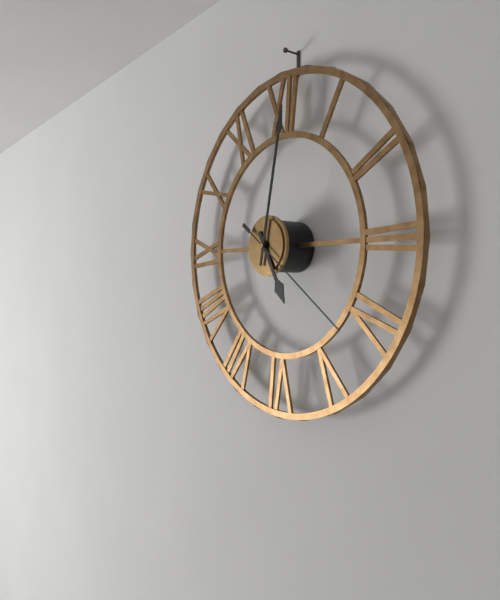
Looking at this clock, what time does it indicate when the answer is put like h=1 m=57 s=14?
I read h=5 m=2 s=21
